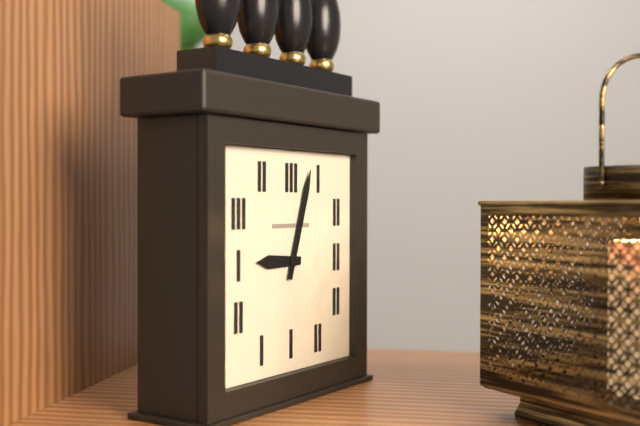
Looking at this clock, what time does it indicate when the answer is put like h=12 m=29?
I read h=9 m=3
